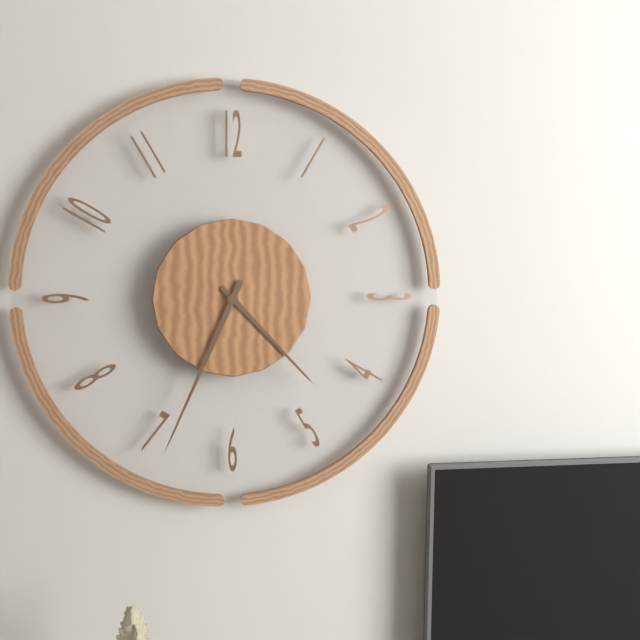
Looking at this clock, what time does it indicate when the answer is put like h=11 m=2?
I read h=4 m=34
